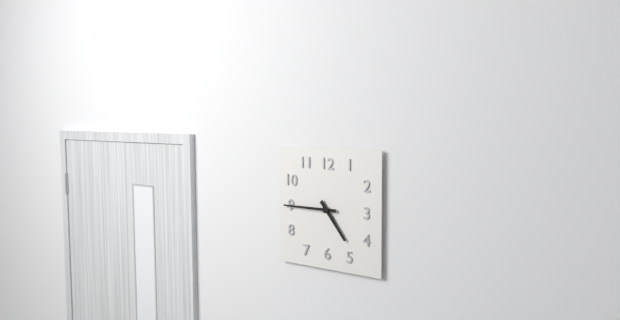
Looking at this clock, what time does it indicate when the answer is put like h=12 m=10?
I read h=4 m=45
